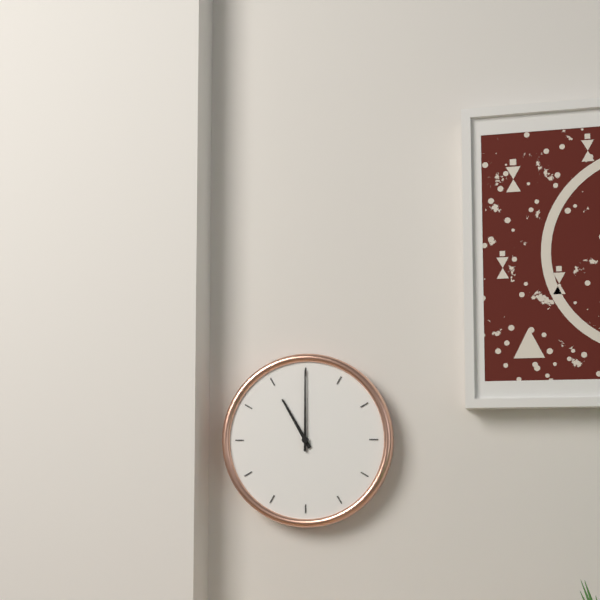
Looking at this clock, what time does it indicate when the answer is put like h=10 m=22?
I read h=11 m=0
